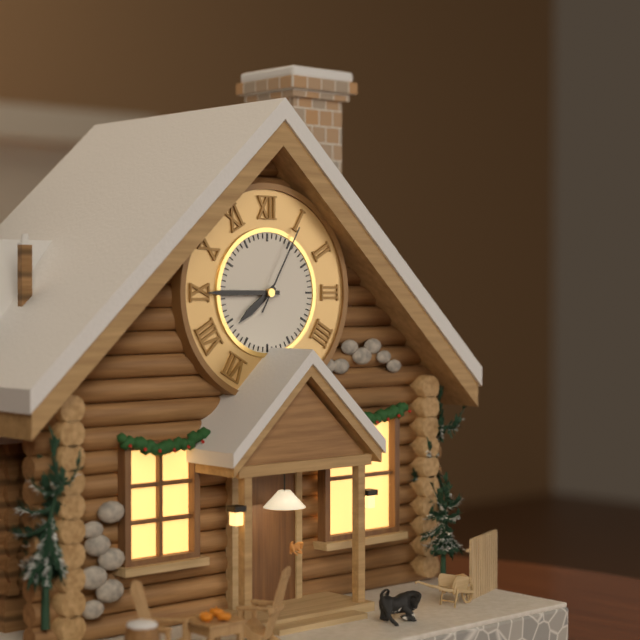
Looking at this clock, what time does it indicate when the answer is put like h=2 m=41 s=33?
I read h=7 m=45 s=5
